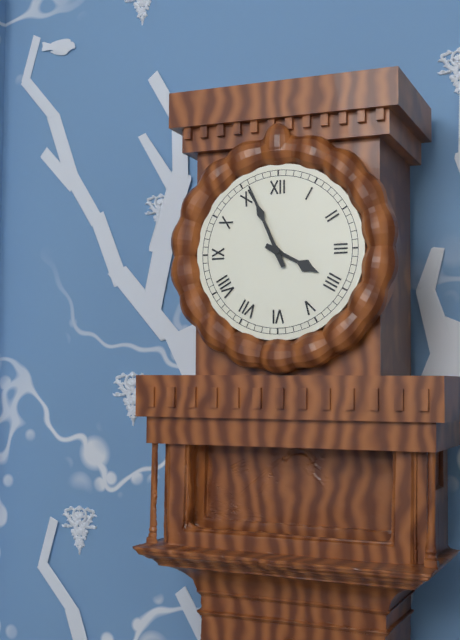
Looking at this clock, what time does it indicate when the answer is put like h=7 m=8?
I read h=3 m=56
